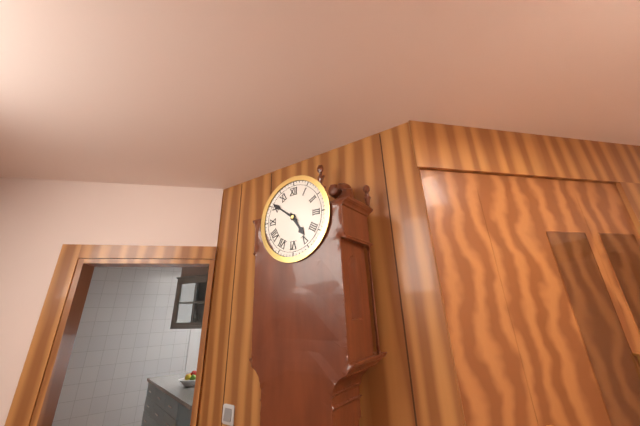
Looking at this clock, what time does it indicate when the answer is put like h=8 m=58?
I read h=4 m=51
